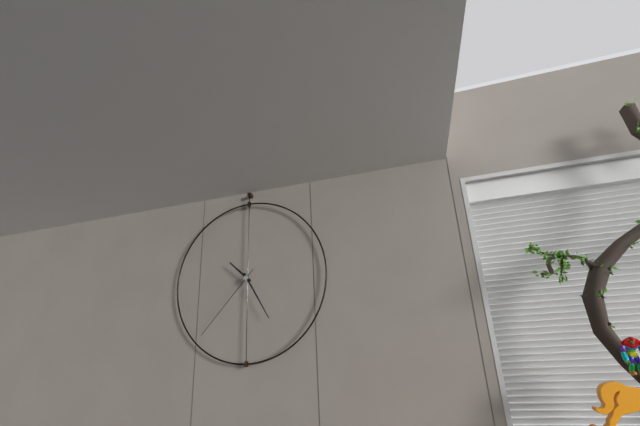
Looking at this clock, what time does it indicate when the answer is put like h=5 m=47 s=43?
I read h=10 m=25 s=37
